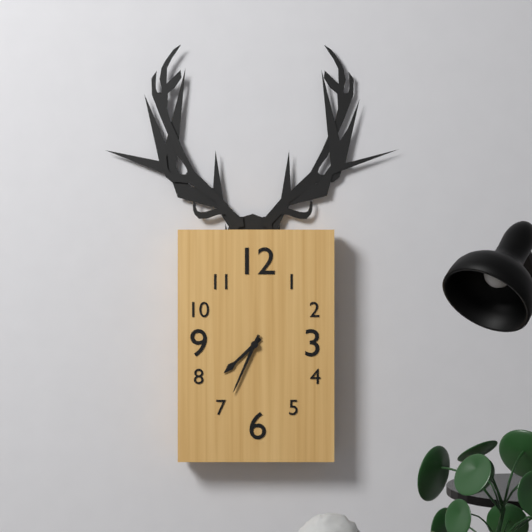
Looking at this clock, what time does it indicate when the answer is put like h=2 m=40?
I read h=7 m=34
